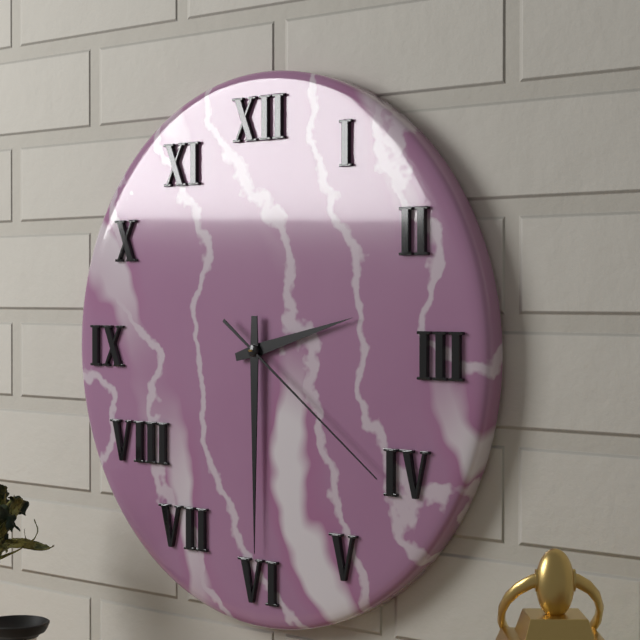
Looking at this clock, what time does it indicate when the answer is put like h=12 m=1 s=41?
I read h=2 m=30 s=21
